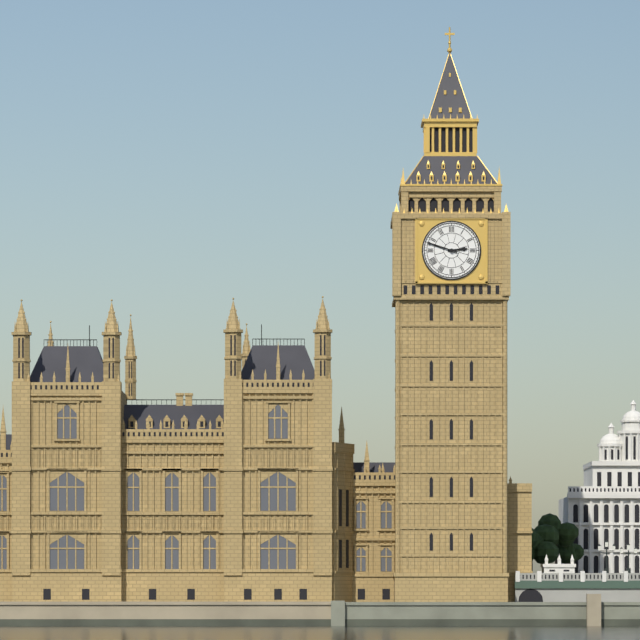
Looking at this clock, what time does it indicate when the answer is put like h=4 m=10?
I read h=2 m=48
